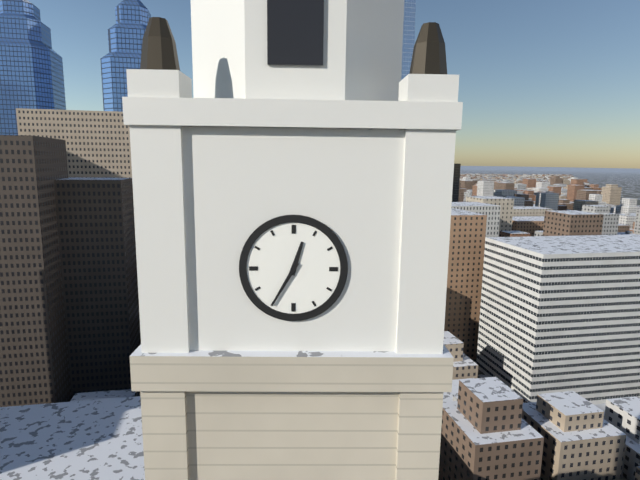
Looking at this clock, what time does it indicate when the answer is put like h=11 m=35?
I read h=12 m=35
